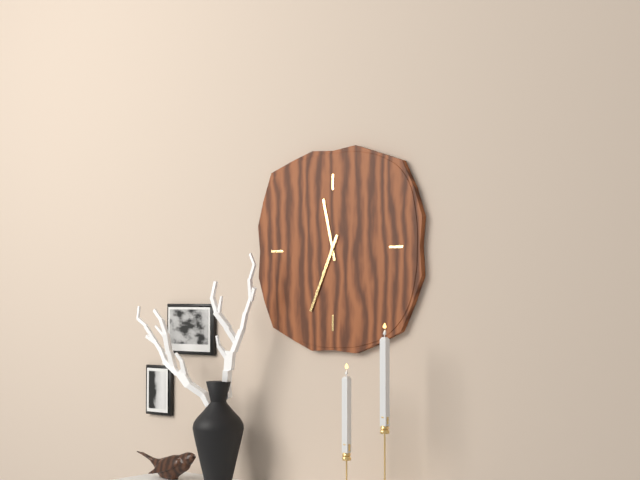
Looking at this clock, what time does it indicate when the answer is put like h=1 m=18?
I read h=11 m=34
